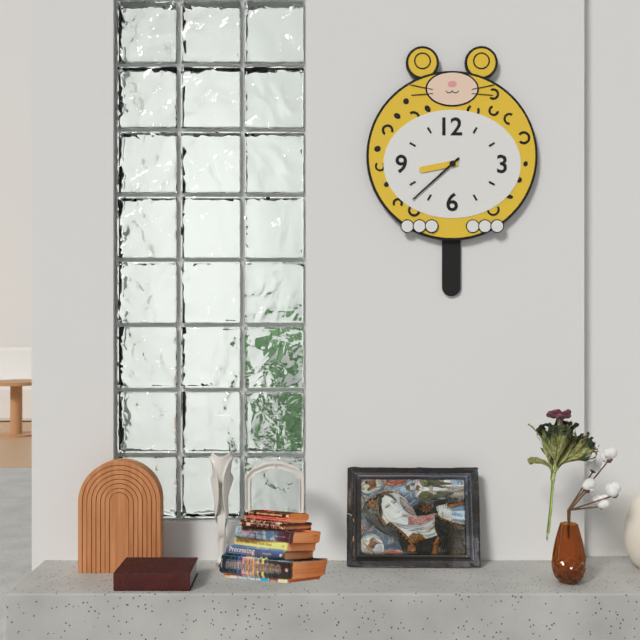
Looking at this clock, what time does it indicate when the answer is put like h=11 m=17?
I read h=8 m=38
